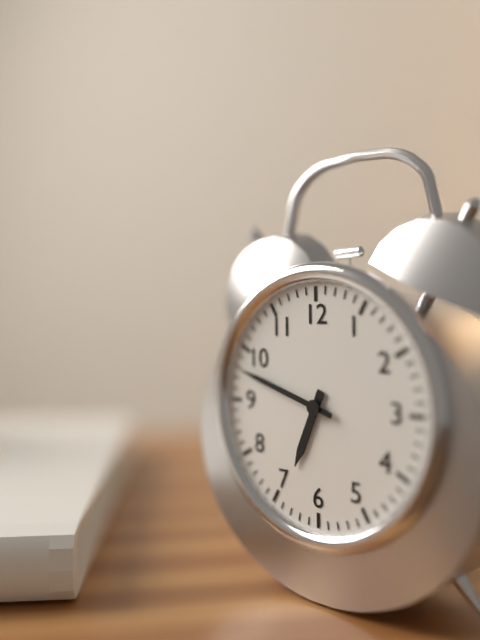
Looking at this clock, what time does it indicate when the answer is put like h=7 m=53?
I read h=6 m=48
